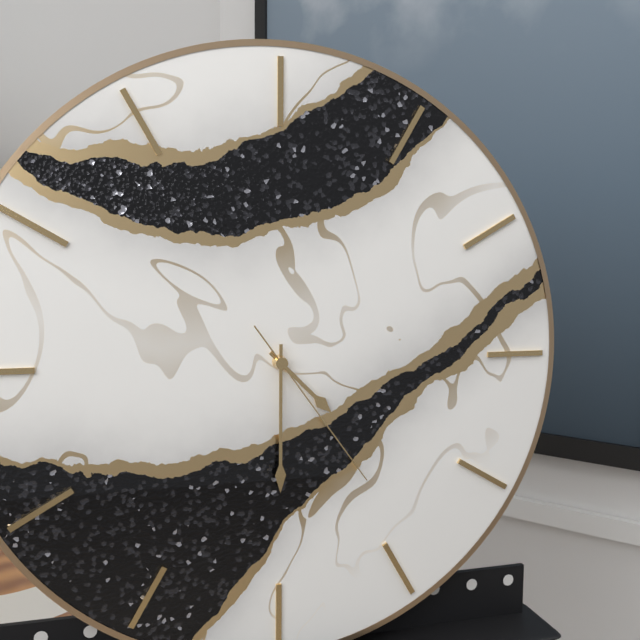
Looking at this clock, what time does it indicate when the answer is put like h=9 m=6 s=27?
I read h=4 m=30 s=24
